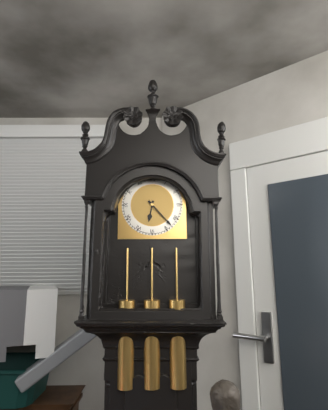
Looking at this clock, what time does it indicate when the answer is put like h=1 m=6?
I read h=6 m=23
